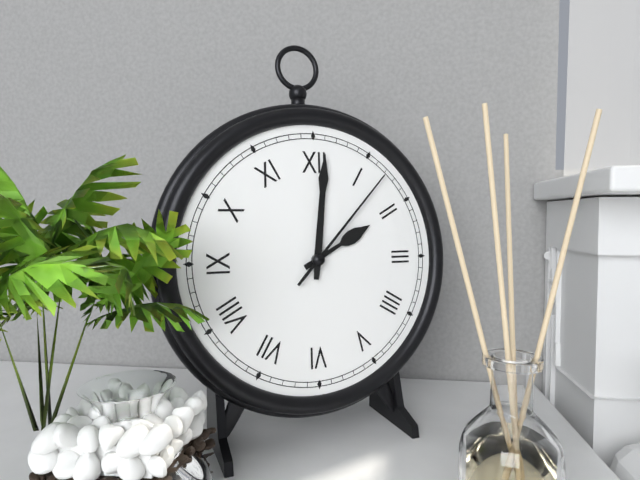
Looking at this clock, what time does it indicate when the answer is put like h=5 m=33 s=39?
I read h=2 m=1 s=7
